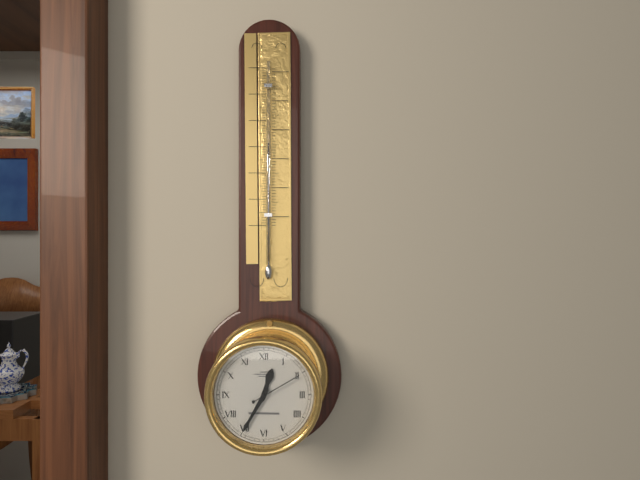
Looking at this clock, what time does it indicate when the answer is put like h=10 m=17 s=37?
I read h=12 m=35 s=10
